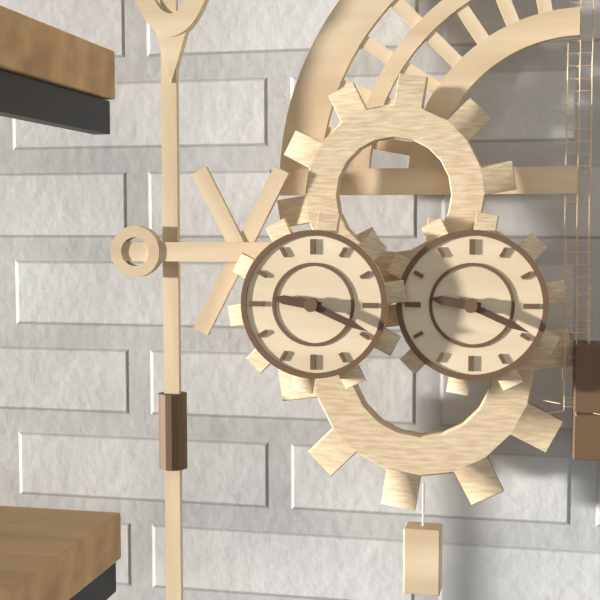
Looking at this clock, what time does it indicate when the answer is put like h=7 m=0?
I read h=9 m=19
